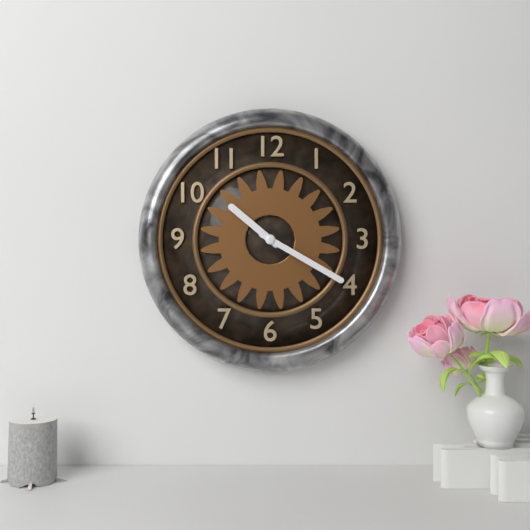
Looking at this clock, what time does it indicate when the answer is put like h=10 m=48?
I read h=10 m=20
